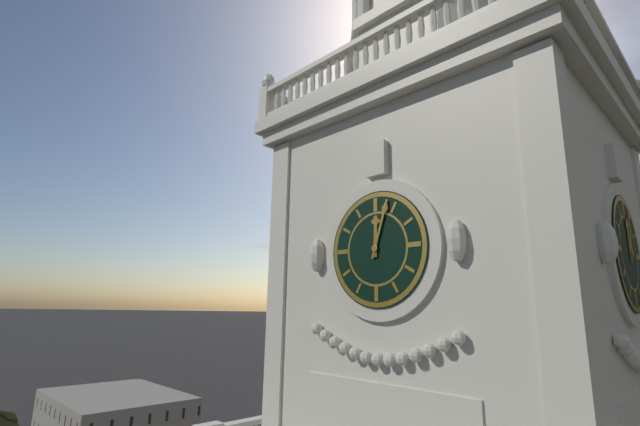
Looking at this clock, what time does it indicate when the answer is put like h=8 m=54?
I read h=12 m=3
